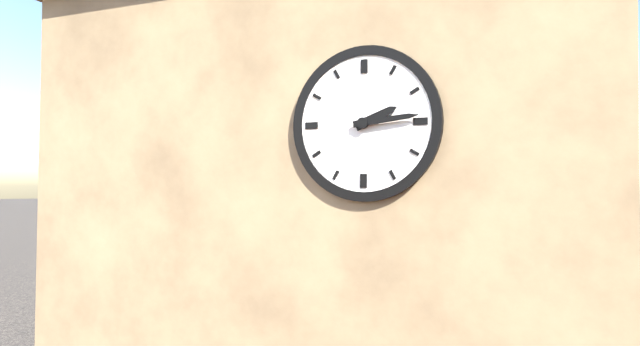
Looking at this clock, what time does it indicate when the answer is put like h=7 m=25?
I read h=2 m=14
